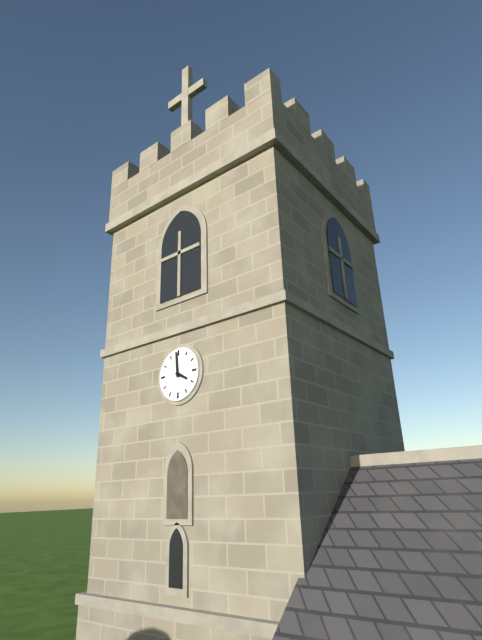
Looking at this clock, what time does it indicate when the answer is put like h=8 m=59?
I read h=3 m=59
